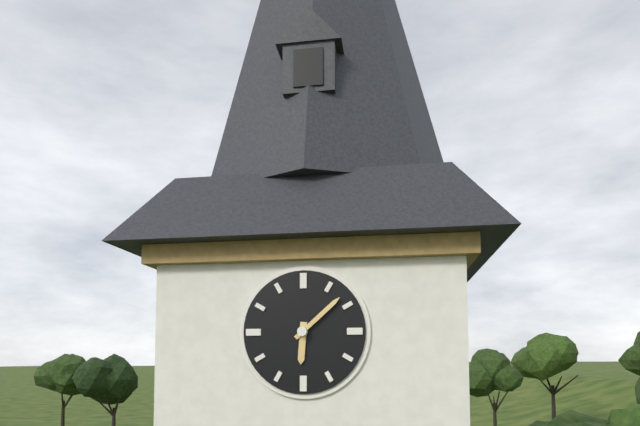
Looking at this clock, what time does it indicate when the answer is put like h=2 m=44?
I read h=6 m=8
